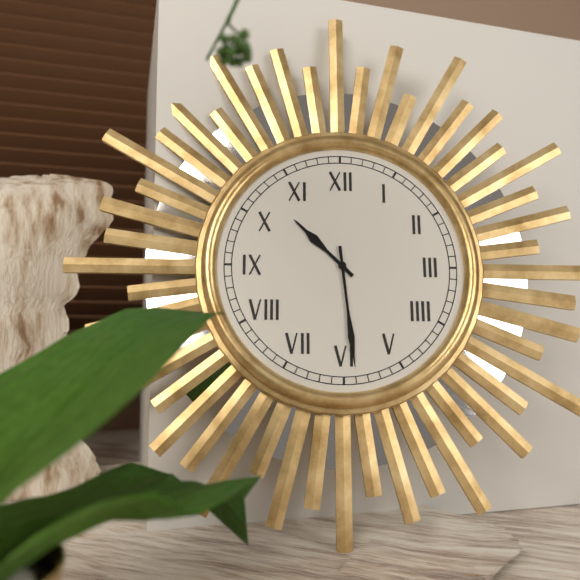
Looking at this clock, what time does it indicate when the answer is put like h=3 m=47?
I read h=10 m=29
